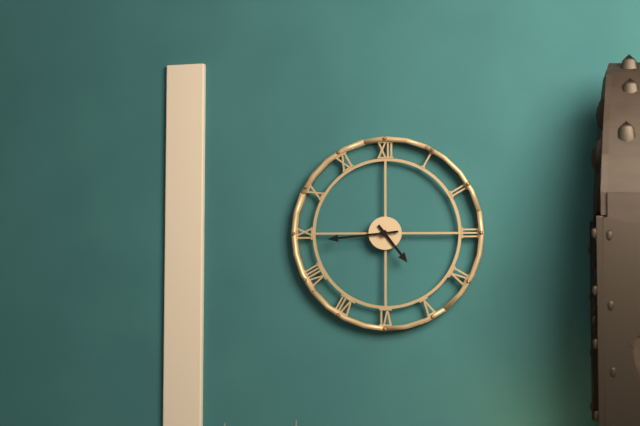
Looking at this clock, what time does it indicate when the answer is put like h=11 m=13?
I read h=4 m=44
